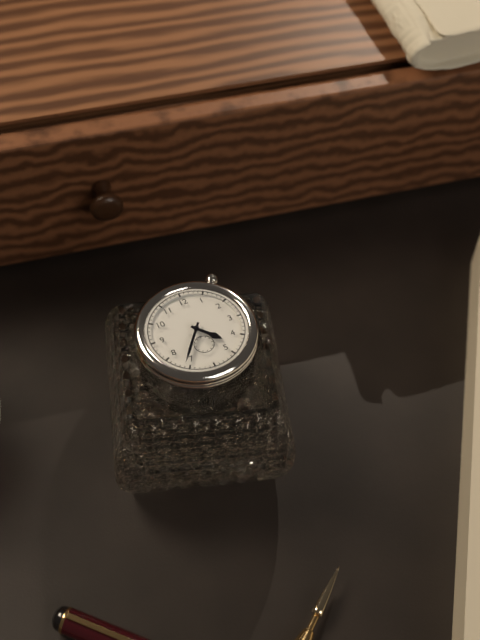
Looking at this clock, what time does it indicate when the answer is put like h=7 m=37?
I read h=4 m=36
